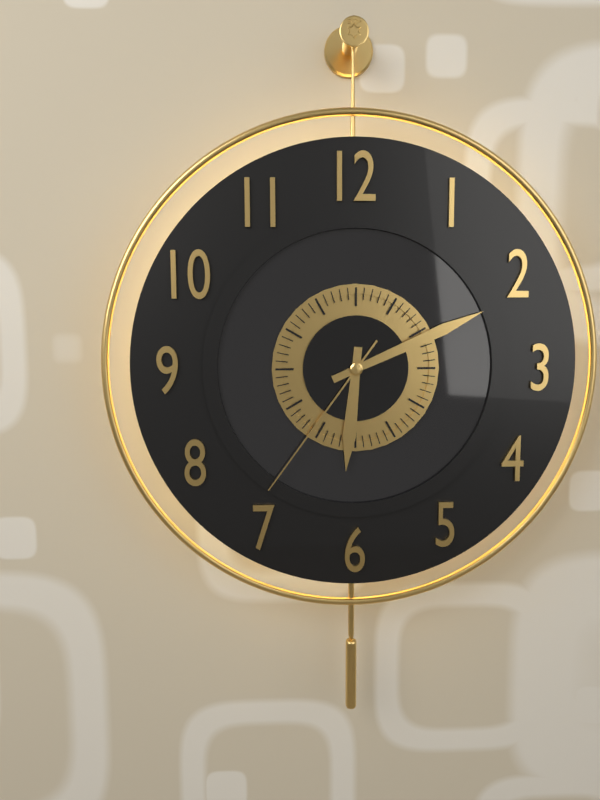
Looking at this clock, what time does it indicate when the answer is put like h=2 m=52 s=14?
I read h=6 m=11 s=36
